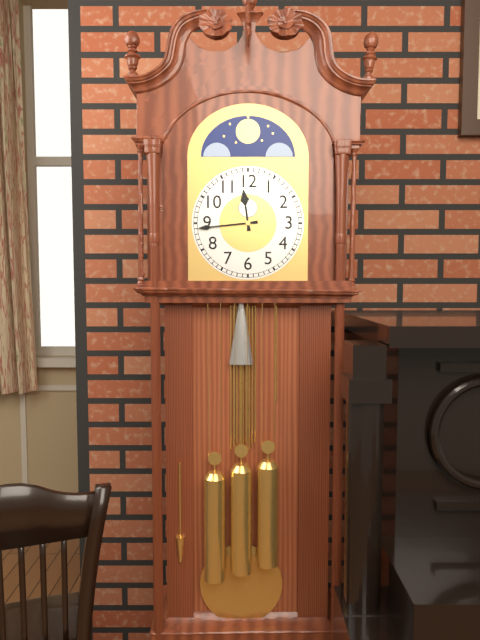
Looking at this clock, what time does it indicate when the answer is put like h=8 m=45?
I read h=11 m=44
